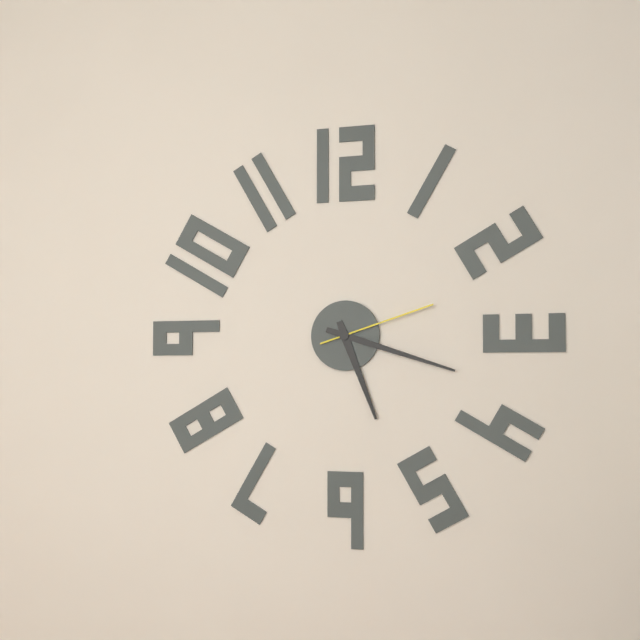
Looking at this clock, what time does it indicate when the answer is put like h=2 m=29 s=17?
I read h=5 m=18 s=12
